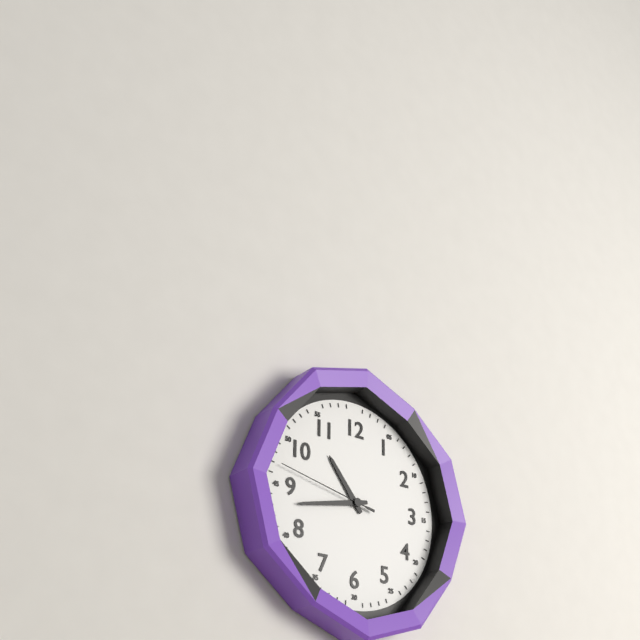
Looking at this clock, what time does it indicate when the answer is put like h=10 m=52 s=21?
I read h=10 m=43 s=47
